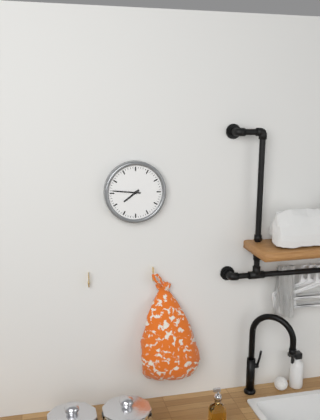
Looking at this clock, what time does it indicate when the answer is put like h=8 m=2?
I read h=7 m=46
